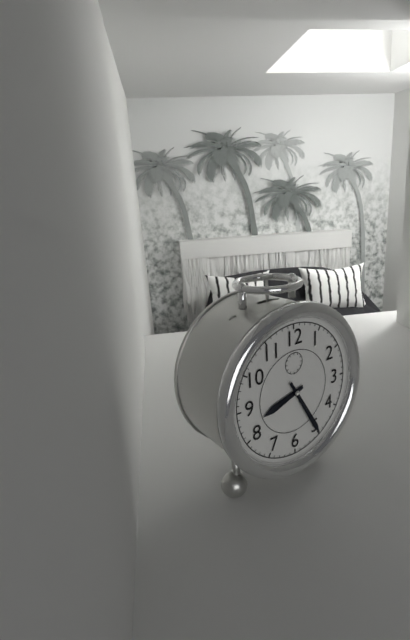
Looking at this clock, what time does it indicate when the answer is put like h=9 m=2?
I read h=8 m=25
